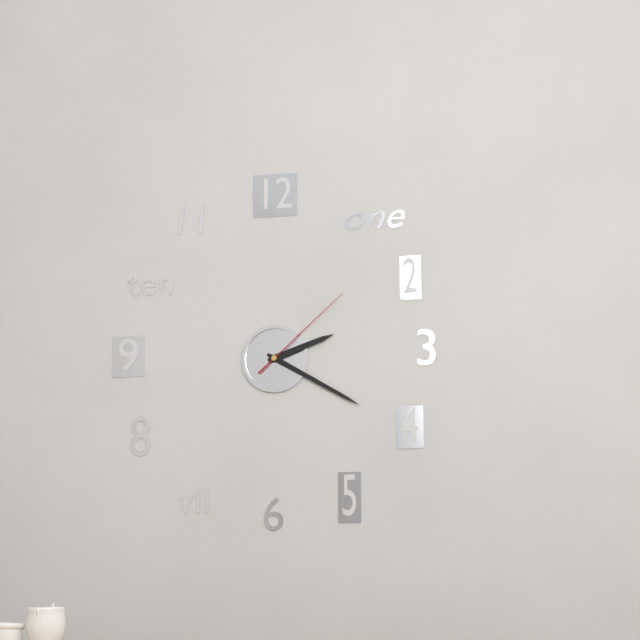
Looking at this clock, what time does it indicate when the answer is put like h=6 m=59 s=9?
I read h=2 m=20 s=8
